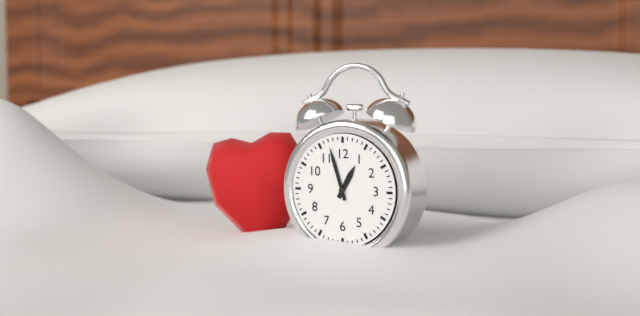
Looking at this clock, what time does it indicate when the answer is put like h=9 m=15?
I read h=12 m=57
